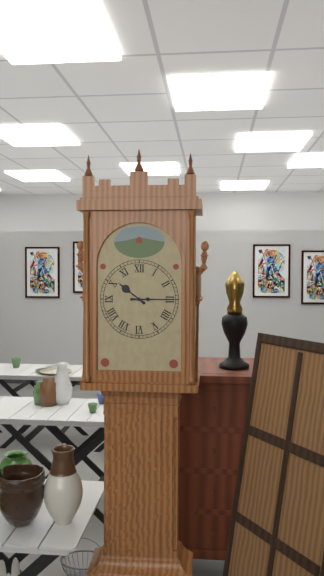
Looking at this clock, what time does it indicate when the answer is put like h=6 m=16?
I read h=10 m=15
